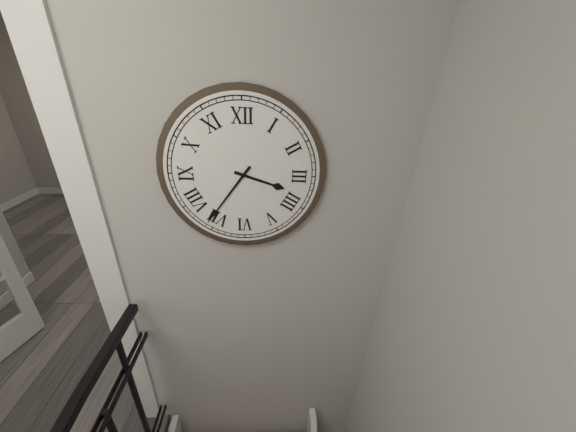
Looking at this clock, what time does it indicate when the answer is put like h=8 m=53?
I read h=3 m=36
